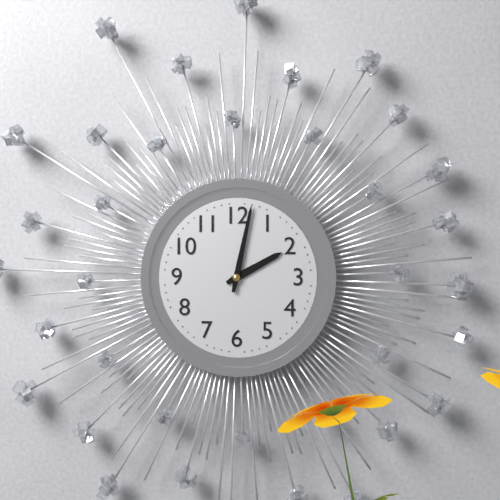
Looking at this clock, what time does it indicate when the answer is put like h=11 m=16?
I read h=2 m=2
